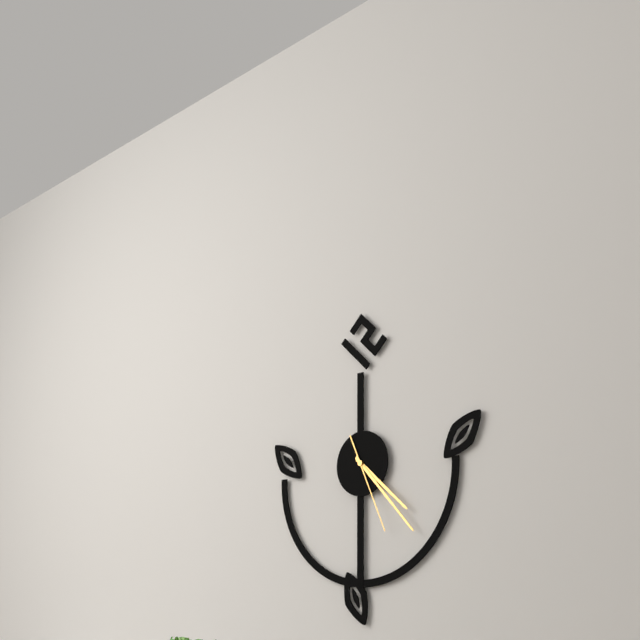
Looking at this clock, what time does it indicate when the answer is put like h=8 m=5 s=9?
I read h=4 m=23 s=26
